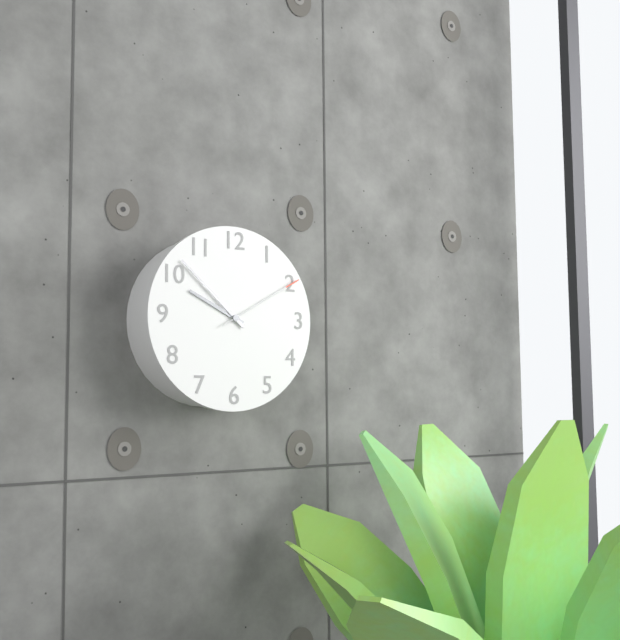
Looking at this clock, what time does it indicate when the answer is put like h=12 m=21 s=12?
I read h=9 m=52 s=10
